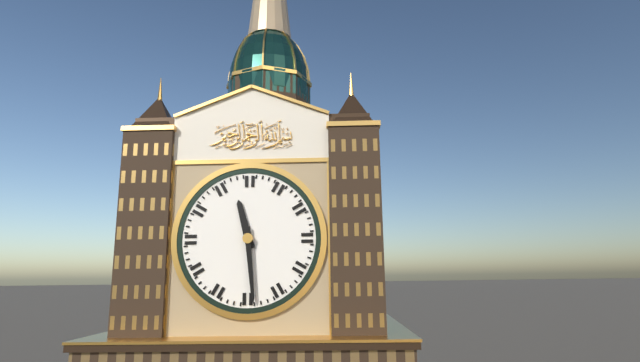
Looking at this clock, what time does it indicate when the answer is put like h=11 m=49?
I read h=11 m=29
